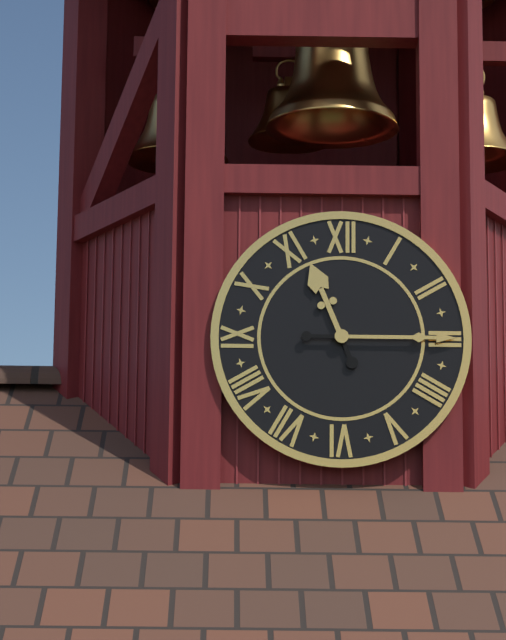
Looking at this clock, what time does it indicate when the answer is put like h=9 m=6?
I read h=11 m=15
